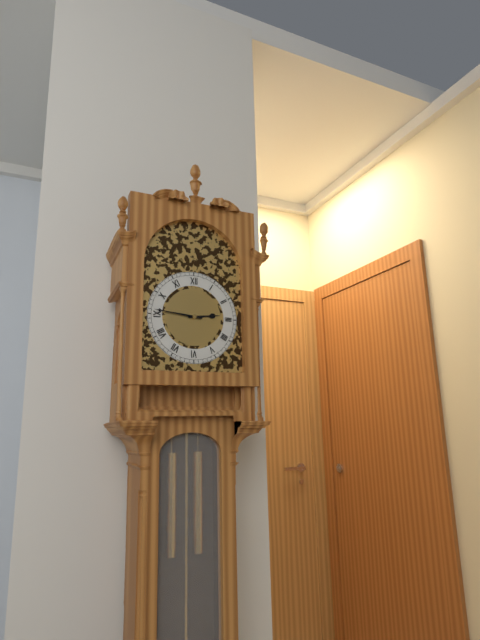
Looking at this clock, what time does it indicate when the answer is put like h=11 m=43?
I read h=2 m=46
